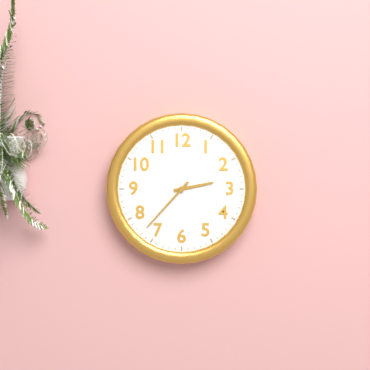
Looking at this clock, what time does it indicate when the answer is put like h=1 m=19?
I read h=2 m=37
